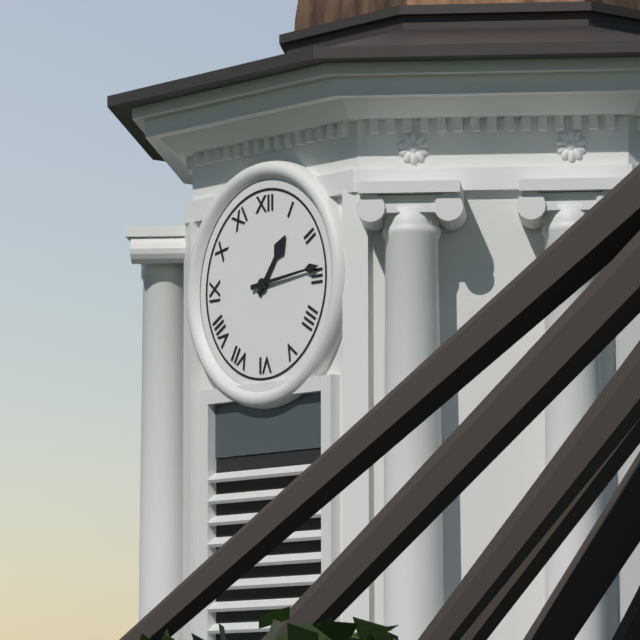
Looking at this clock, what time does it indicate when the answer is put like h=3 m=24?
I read h=1 m=14
